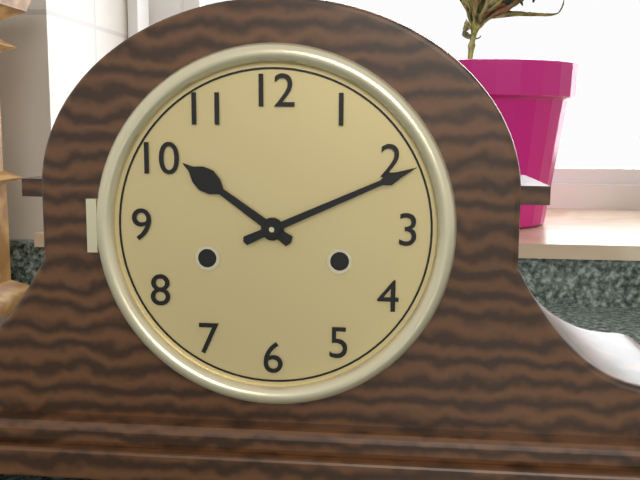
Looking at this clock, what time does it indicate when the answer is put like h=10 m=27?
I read h=10 m=11
